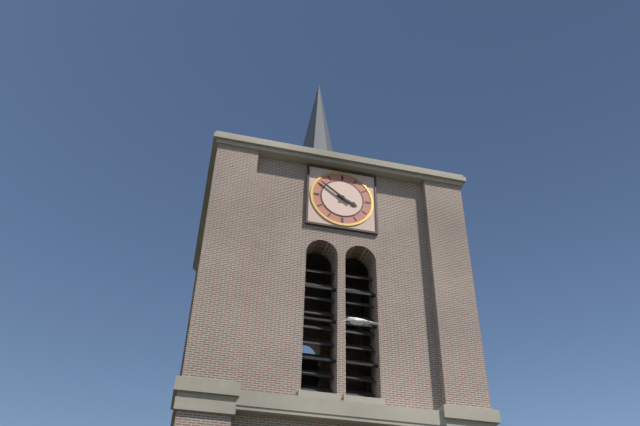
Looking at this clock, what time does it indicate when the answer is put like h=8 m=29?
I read h=3 m=51
